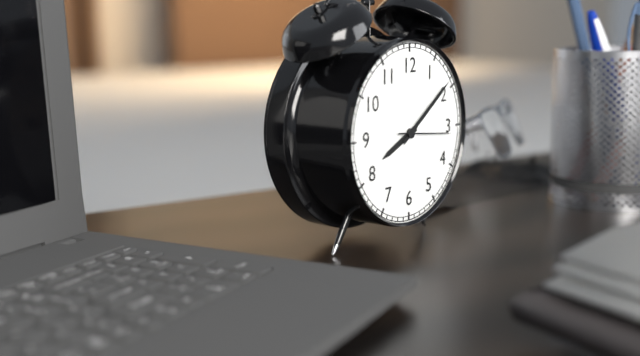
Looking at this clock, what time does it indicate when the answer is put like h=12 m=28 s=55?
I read h=8 m=9 s=16
